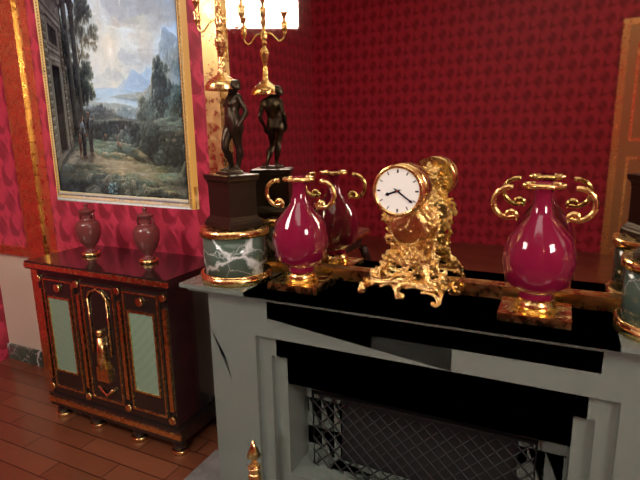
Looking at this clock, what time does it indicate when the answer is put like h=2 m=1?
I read h=8 m=21
